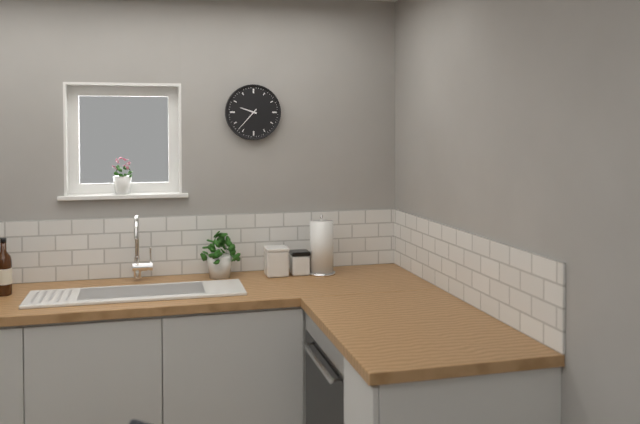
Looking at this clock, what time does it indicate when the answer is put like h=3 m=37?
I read h=9 m=37
